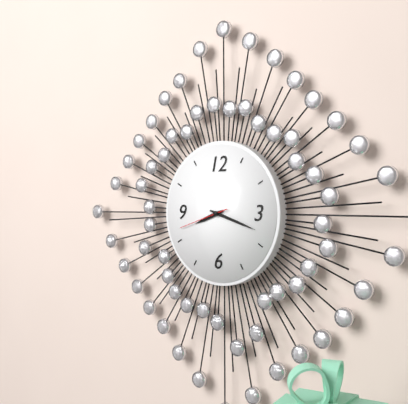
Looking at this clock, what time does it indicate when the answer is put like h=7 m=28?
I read h=8 m=18
